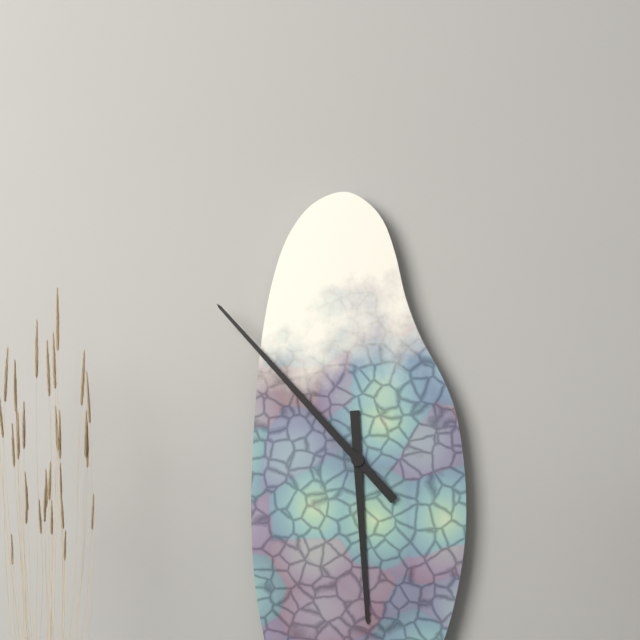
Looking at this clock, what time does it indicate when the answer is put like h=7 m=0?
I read h=5 m=53
